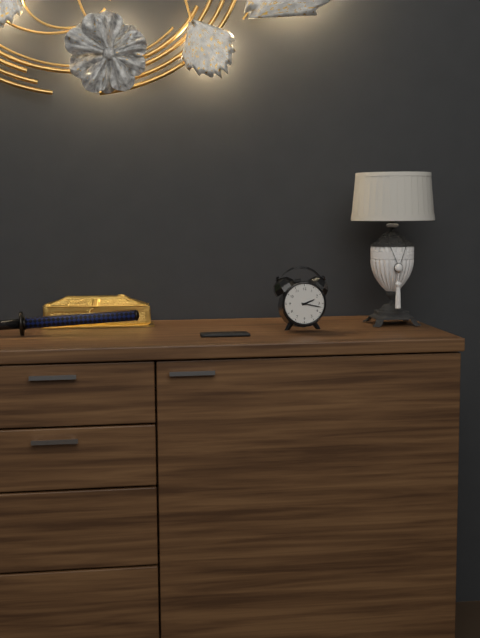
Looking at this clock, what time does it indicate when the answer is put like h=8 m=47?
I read h=2 m=17
